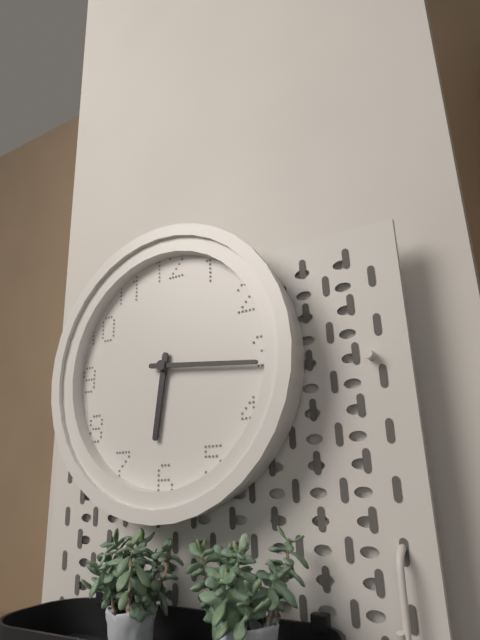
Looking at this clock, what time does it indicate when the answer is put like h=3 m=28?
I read h=6 m=16
